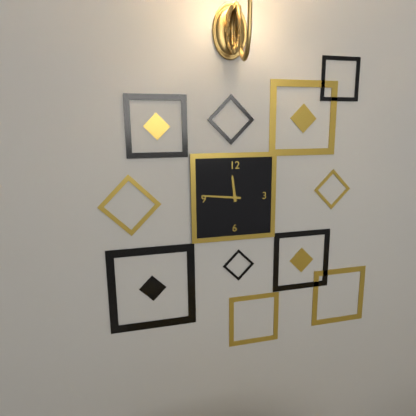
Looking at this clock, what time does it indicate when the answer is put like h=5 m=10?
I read h=11 m=46
